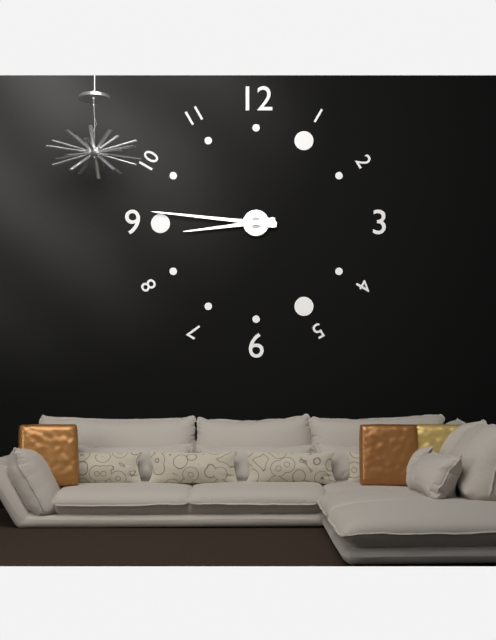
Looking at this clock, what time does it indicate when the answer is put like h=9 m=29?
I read h=8 m=46
